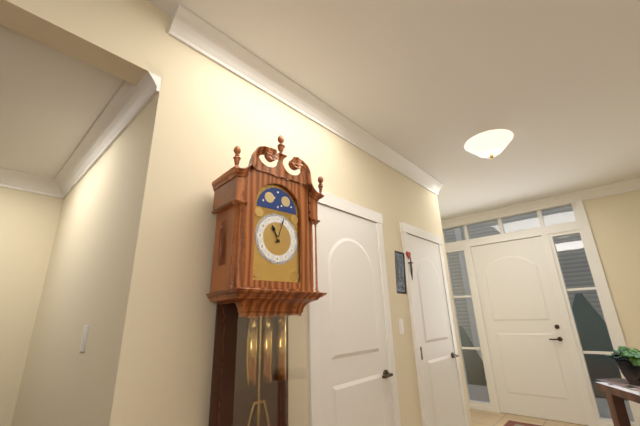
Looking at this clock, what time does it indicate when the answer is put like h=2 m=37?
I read h=11 m=3
